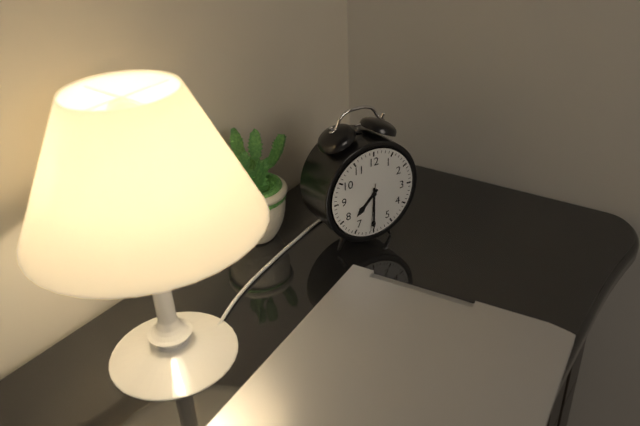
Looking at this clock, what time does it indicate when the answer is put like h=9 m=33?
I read h=7 m=30
